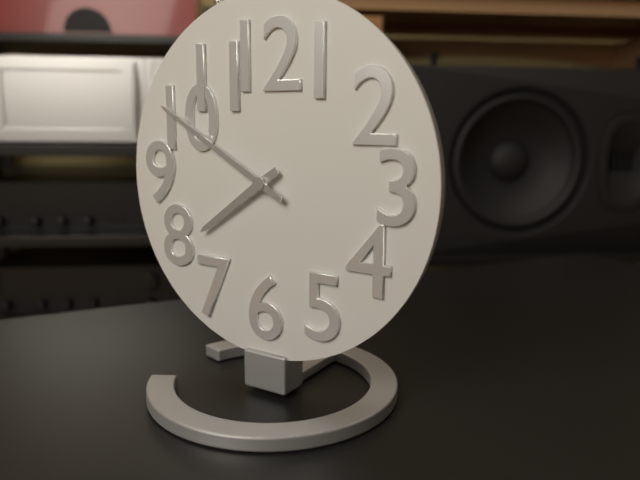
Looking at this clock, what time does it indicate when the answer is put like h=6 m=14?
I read h=7 m=50
